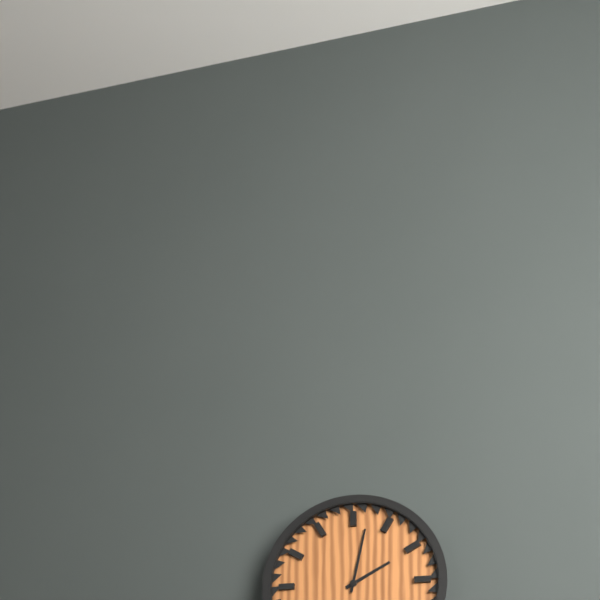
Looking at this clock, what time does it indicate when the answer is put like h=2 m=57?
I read h=2 m=2
